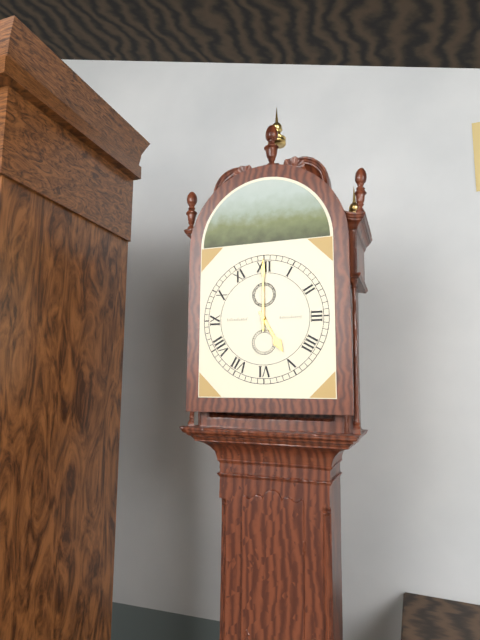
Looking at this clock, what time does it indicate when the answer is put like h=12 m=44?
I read h=5 m=0
